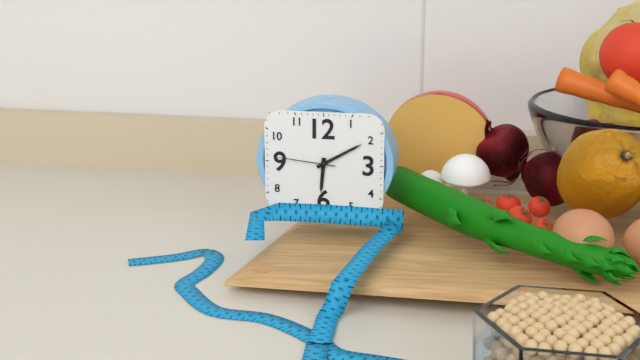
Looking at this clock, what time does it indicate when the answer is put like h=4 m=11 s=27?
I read h=6 m=10 s=46
